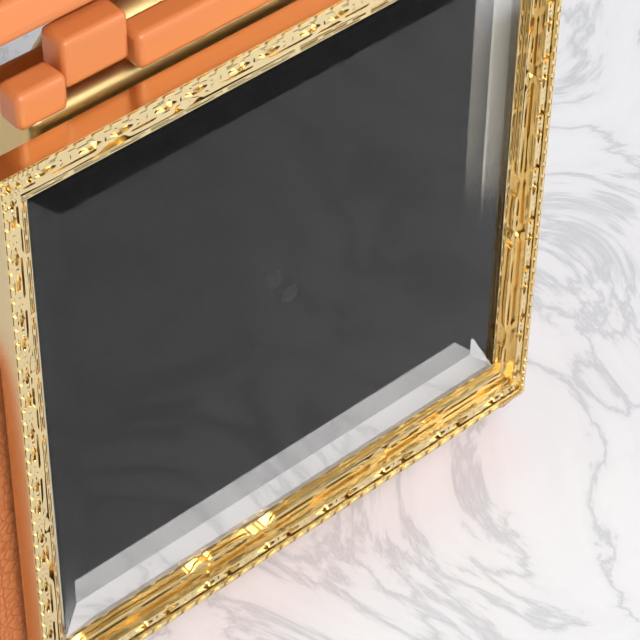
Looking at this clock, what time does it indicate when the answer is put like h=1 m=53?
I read h=8 m=59
